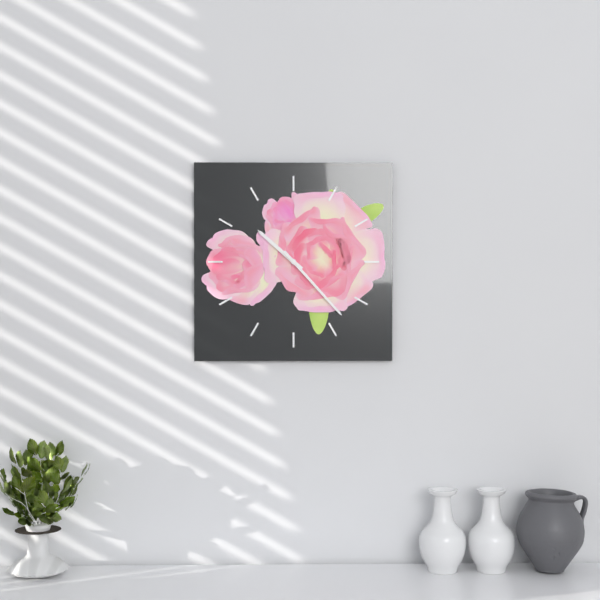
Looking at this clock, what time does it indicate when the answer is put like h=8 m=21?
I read h=10 m=23
